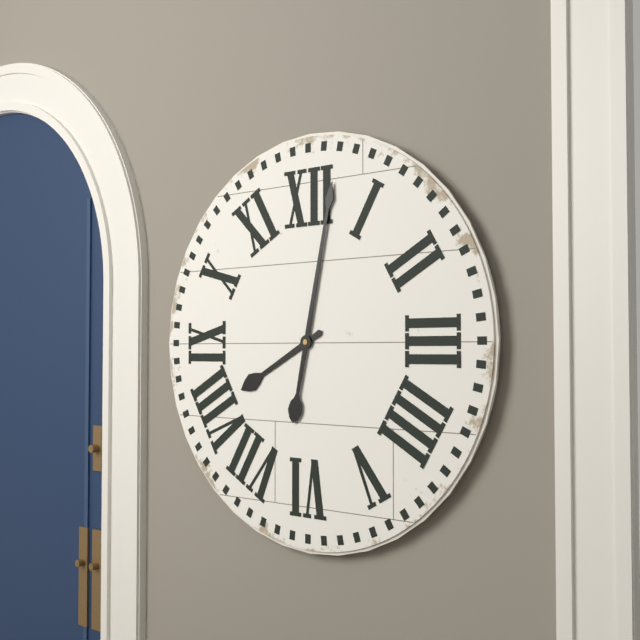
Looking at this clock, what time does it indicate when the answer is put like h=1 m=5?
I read h=8 m=2
